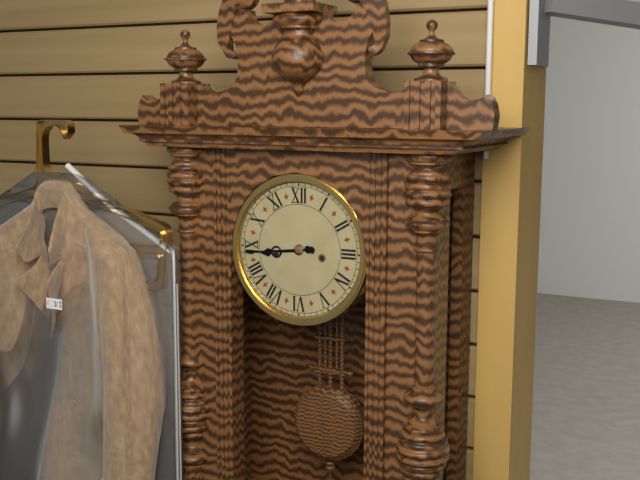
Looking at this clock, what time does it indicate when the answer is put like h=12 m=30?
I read h=8 m=44
